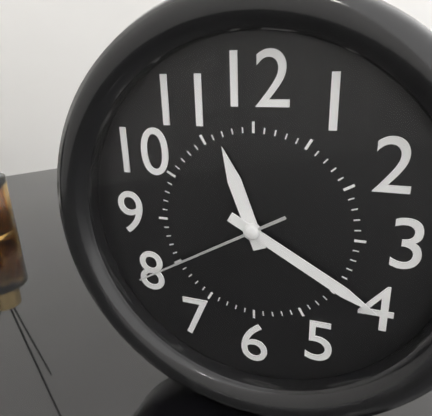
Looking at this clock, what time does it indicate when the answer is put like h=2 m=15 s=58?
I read h=11 m=20 s=40
